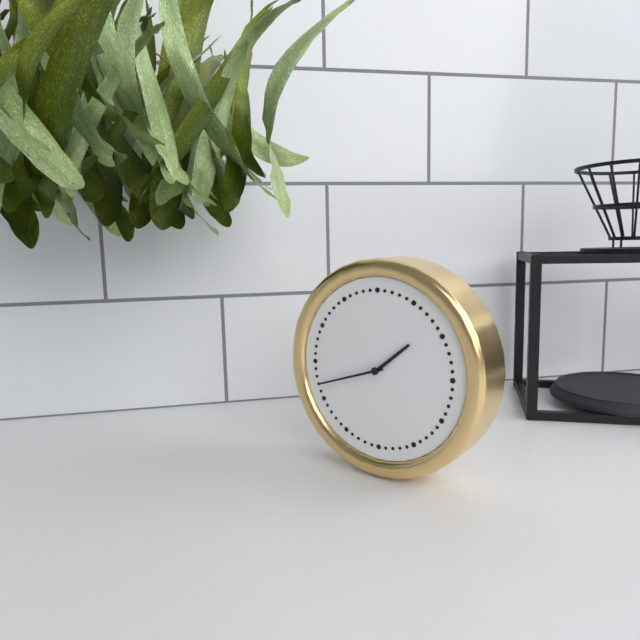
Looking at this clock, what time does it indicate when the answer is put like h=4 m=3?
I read h=1 m=42
